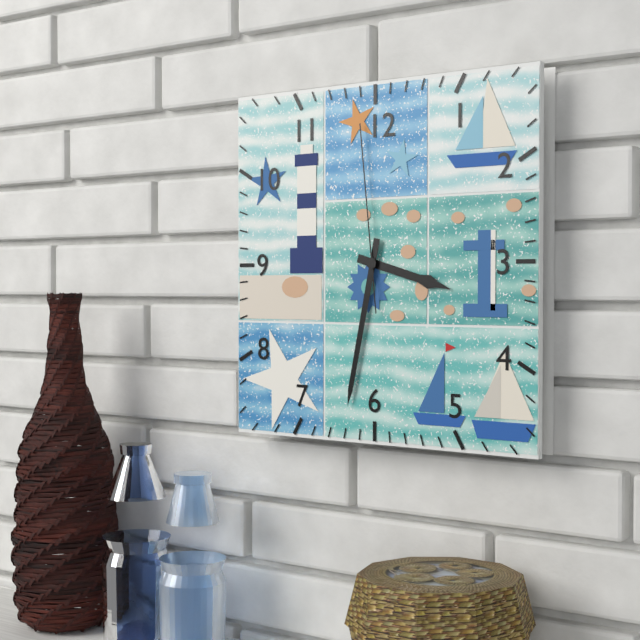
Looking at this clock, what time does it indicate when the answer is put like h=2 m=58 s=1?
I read h=3 m=32 s=59
